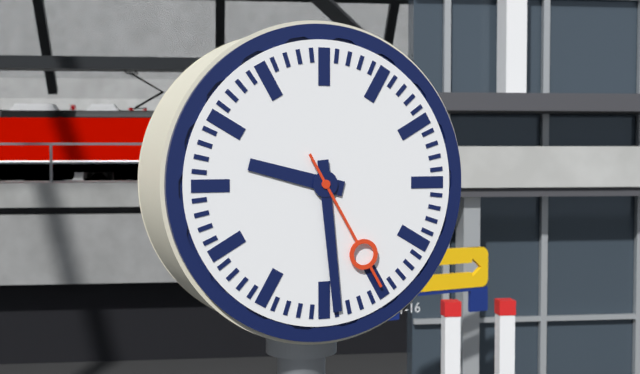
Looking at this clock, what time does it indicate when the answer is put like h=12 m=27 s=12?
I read h=9 m=29 s=25
